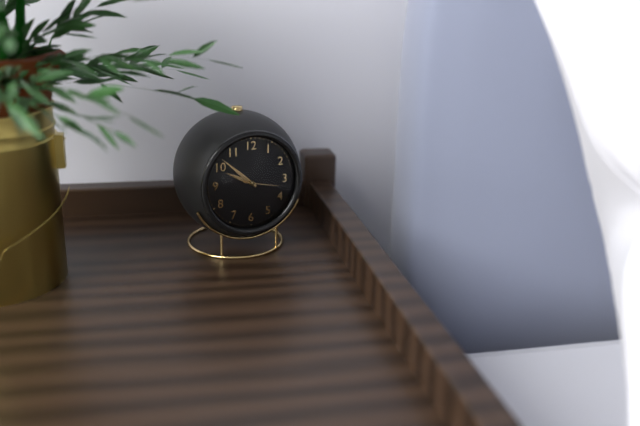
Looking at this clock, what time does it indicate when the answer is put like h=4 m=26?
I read h=9 m=52
